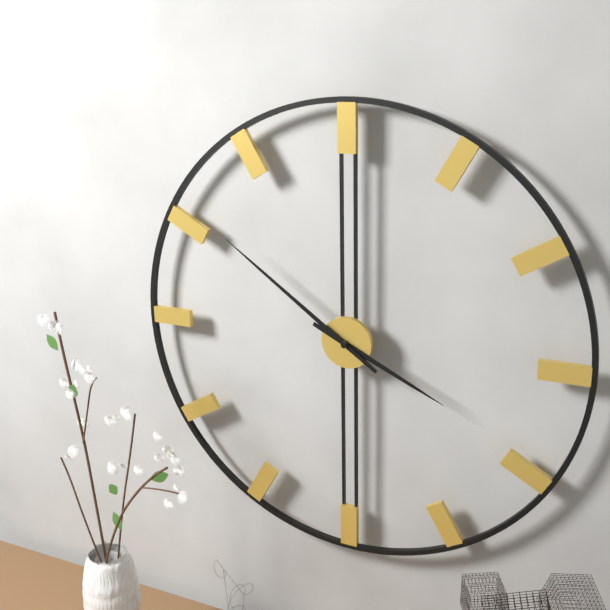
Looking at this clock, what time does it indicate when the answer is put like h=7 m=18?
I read h=3 m=51
